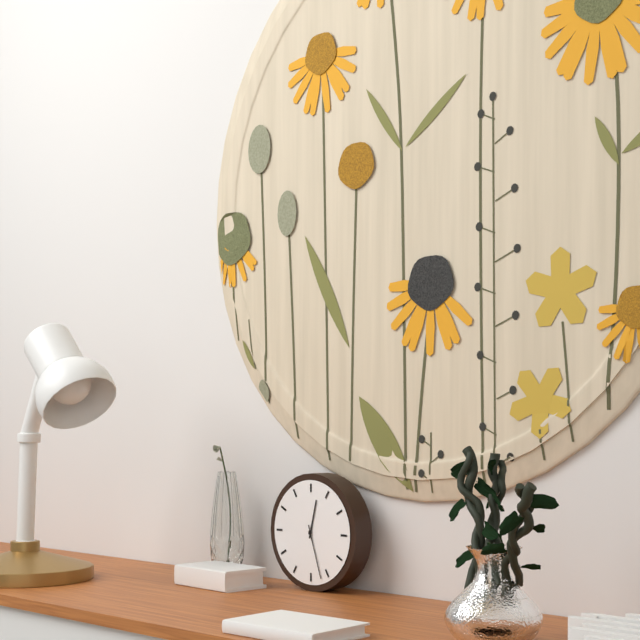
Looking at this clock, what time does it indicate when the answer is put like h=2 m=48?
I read h=12 m=27
